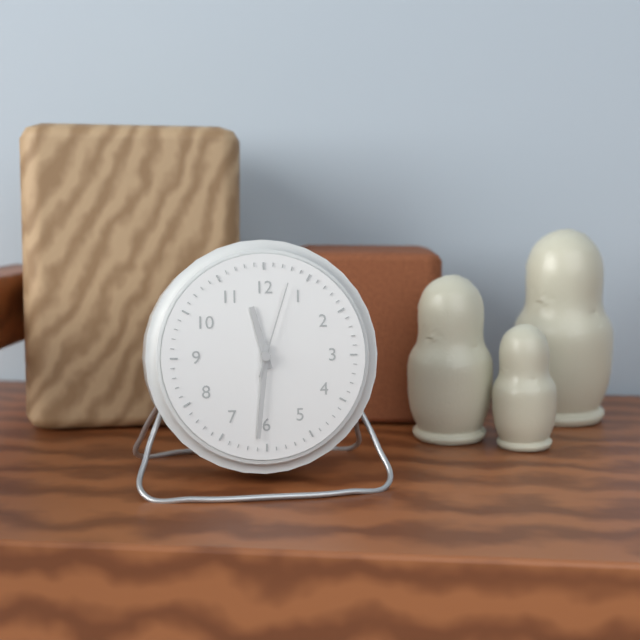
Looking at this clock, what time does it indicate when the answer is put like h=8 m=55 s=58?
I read h=11 m=31 s=3
